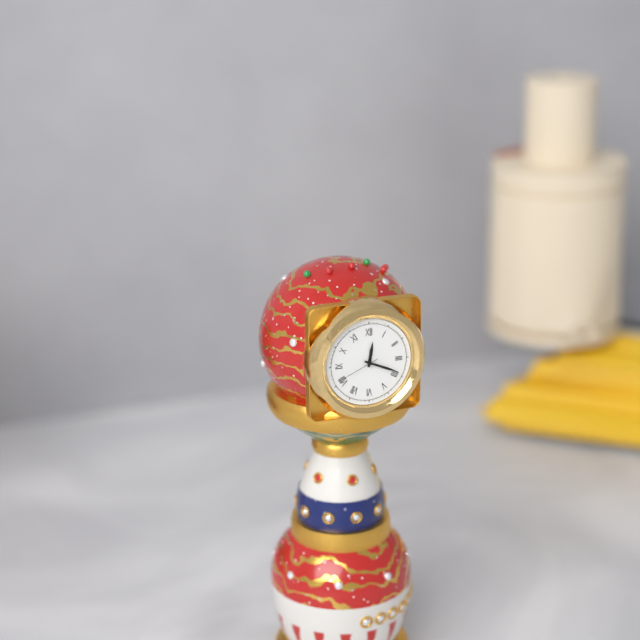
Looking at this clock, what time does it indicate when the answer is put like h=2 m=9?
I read h=12 m=19
